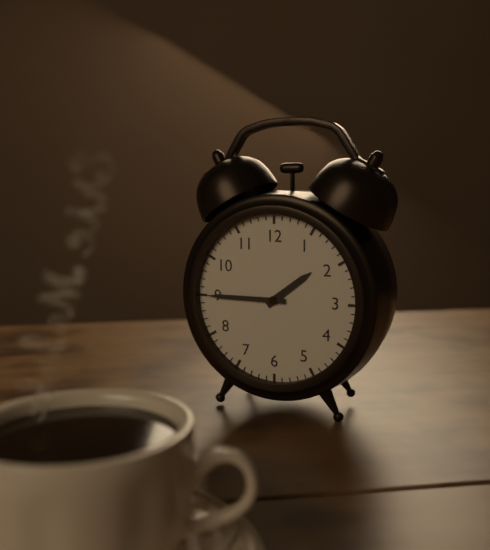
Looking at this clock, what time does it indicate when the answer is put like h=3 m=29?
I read h=1 m=45
